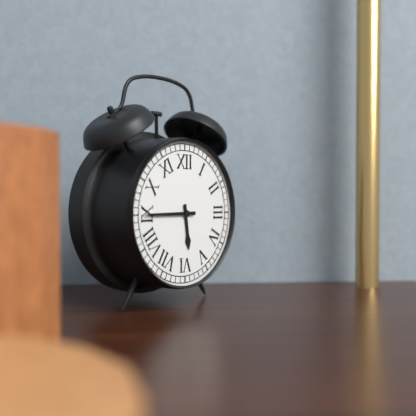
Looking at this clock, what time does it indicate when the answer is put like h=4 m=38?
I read h=5 m=45
